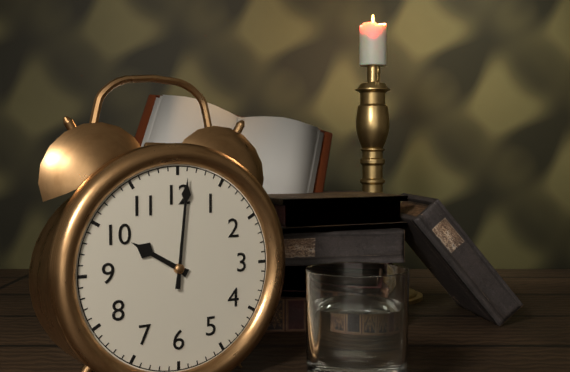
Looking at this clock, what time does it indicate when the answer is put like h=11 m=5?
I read h=10 m=1
